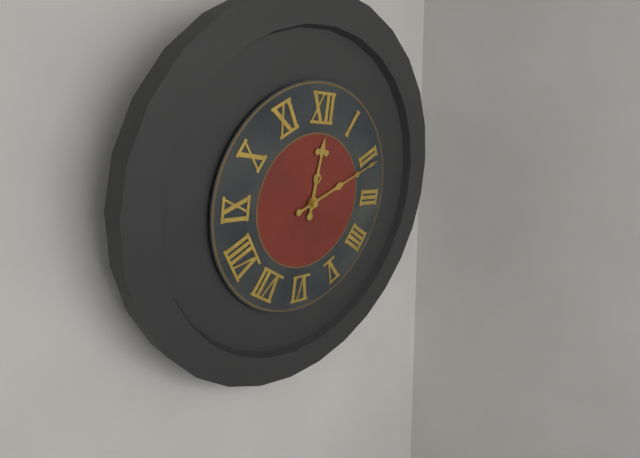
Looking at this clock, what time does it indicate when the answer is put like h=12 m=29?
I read h=12 m=11
